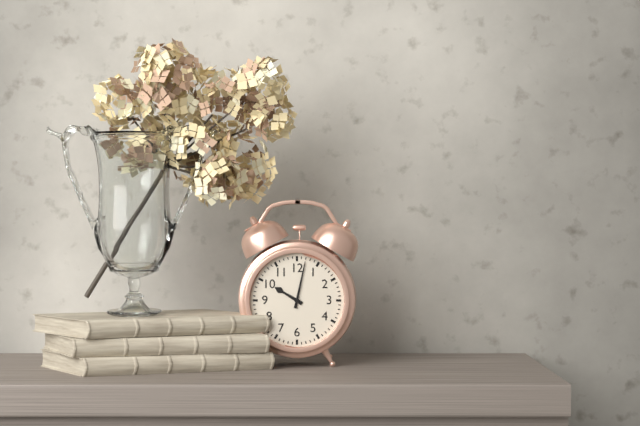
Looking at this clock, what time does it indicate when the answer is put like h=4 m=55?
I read h=10 m=2
